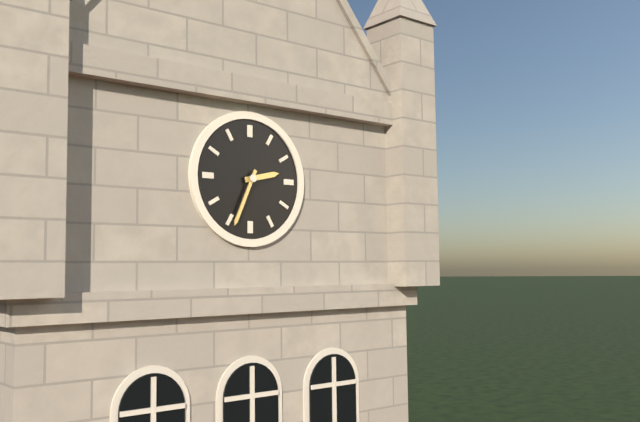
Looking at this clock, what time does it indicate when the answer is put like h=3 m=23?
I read h=2 m=34
